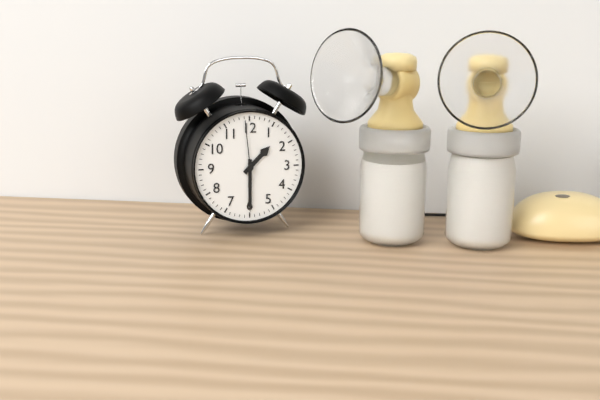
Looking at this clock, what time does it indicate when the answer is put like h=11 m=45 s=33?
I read h=1 m=30 s=59
